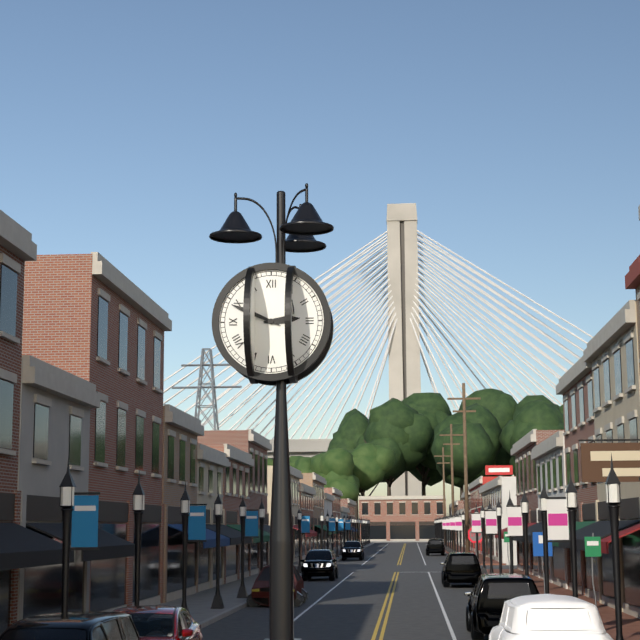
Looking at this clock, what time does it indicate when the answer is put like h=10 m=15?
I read h=2 m=49
